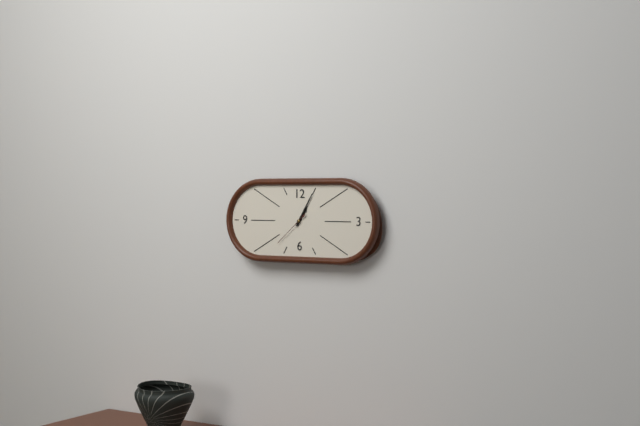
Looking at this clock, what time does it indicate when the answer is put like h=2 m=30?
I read h=1 m=5
